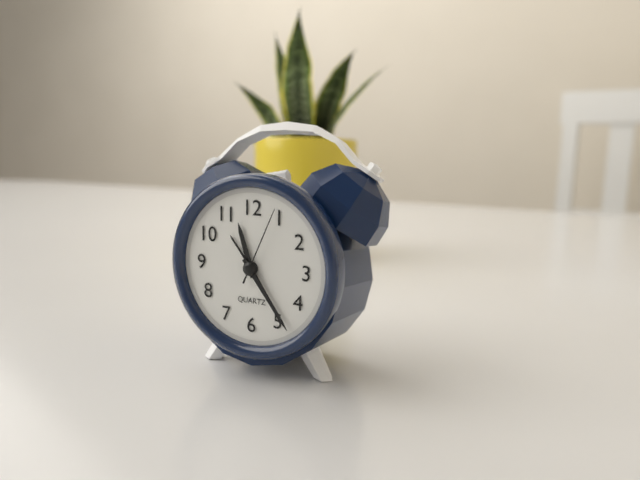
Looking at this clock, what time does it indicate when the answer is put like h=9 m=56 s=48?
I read h=11 m=24 s=4
